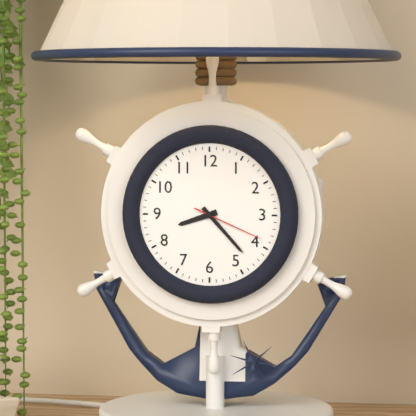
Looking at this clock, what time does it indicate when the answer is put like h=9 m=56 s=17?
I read h=8 m=23 s=19
